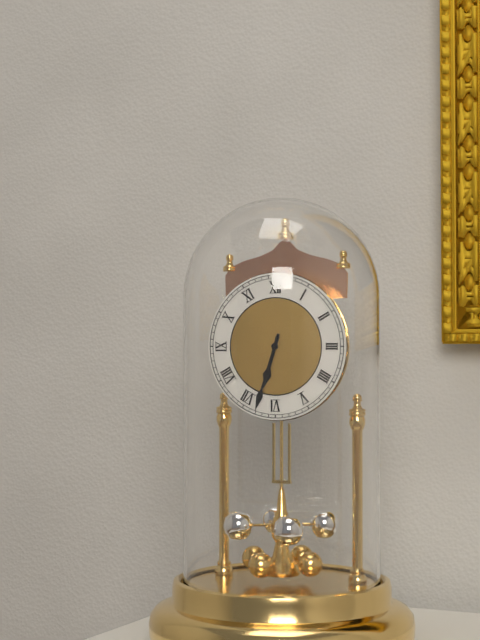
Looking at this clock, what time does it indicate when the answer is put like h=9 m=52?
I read h=6 m=33
